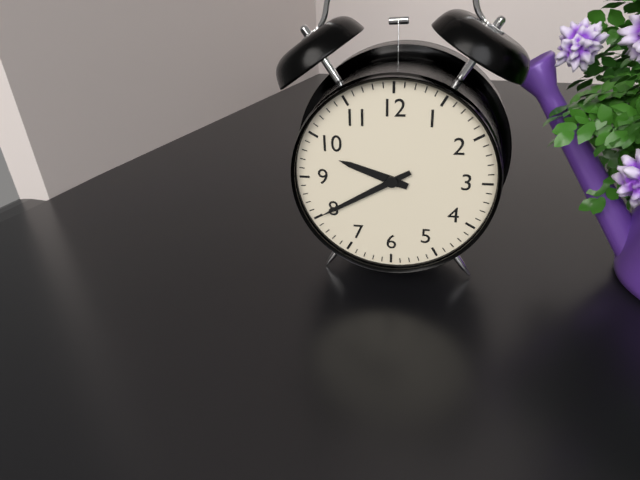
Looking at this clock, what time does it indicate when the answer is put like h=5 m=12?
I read h=9 m=40
